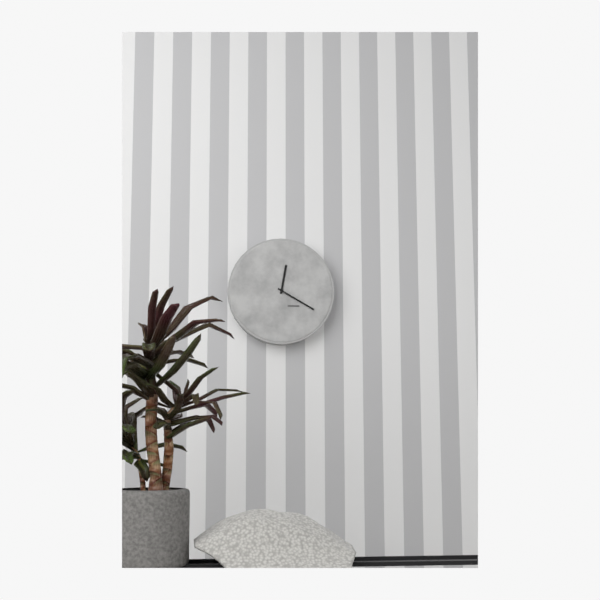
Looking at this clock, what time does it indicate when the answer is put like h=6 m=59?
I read h=12 m=20
